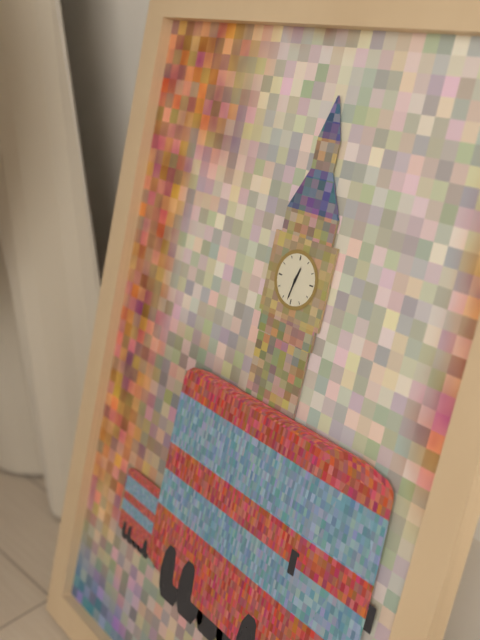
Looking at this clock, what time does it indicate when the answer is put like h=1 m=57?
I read h=12 m=32
